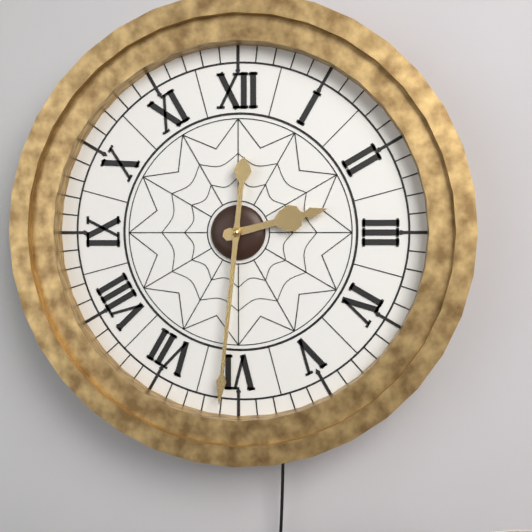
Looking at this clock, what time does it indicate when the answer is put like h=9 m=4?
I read h=2 m=31
